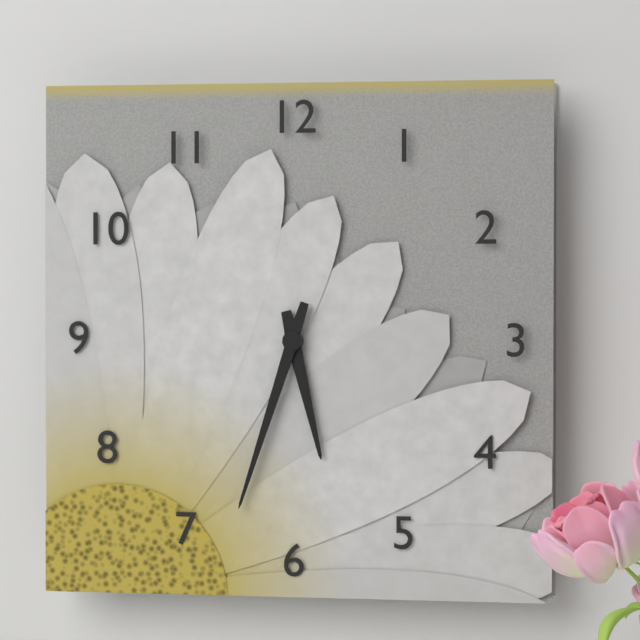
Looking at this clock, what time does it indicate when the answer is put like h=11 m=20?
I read h=5 m=33
